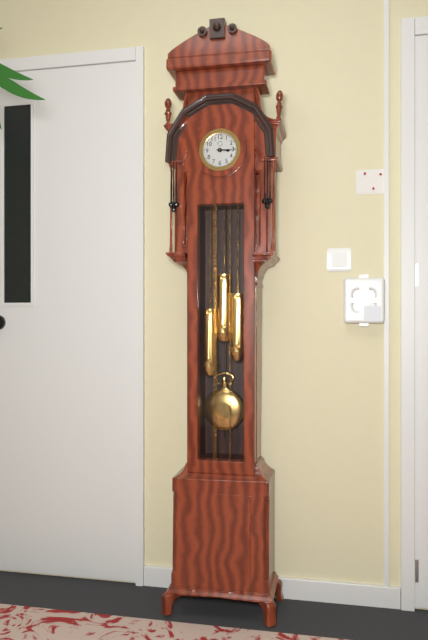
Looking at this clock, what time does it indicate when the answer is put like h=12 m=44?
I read h=3 m=15
